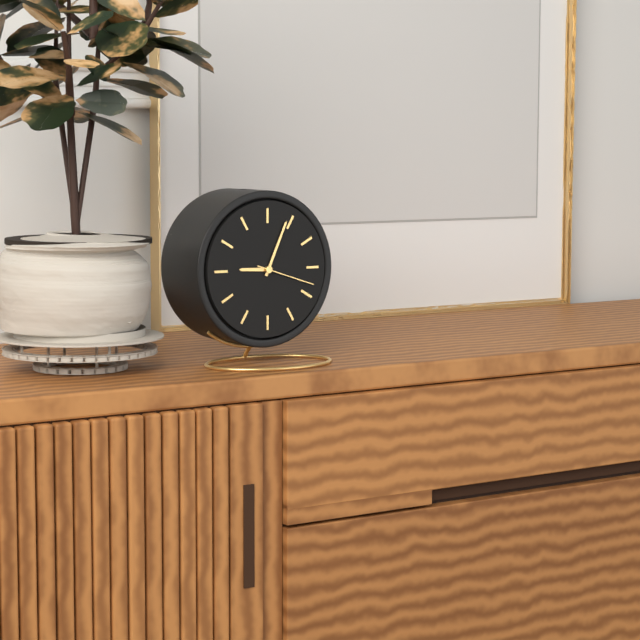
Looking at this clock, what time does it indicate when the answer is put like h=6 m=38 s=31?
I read h=9 m=4 s=18
